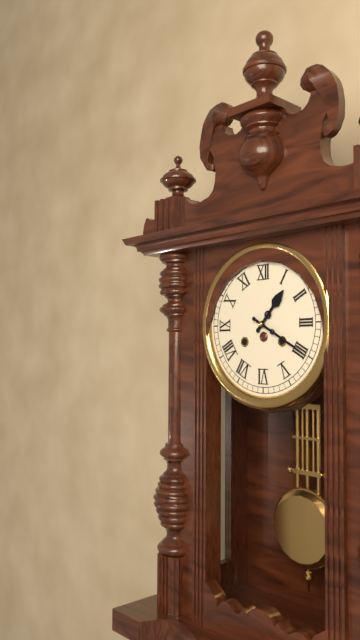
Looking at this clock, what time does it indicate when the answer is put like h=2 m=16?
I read h=1 m=20
